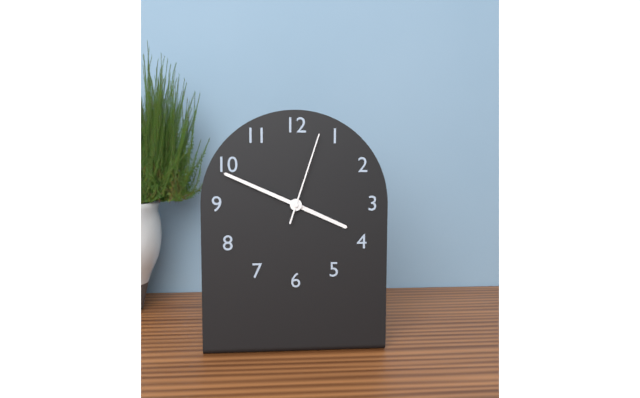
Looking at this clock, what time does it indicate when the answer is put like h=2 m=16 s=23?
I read h=3 m=49 s=3
